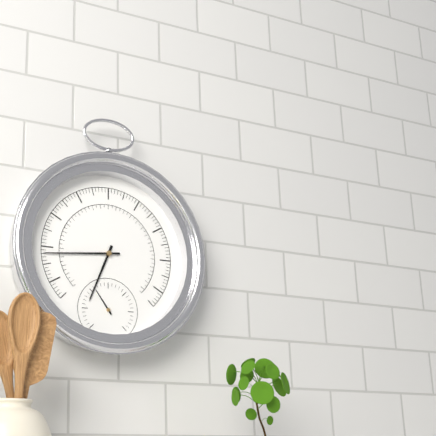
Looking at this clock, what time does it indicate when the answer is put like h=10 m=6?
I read h=6 m=44
